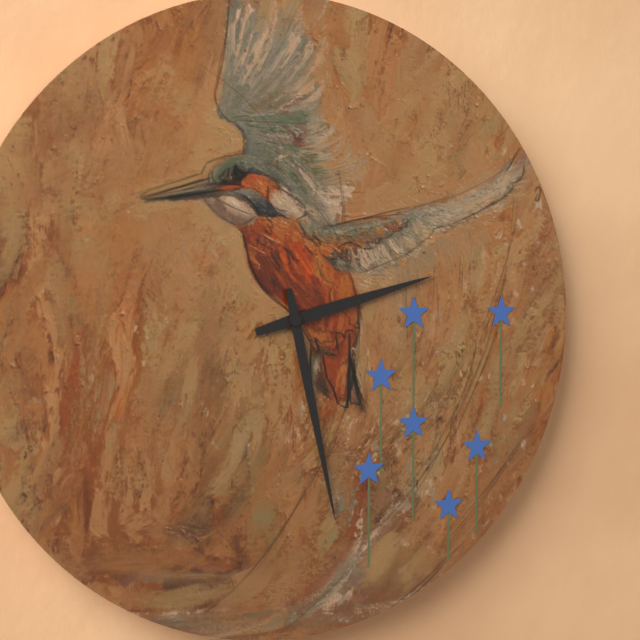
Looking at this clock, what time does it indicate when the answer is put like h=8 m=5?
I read h=2 m=28
